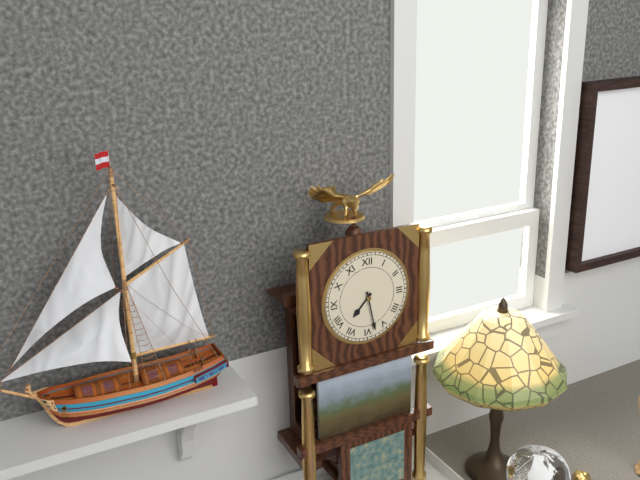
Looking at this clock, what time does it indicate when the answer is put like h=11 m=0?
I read h=7 m=28
